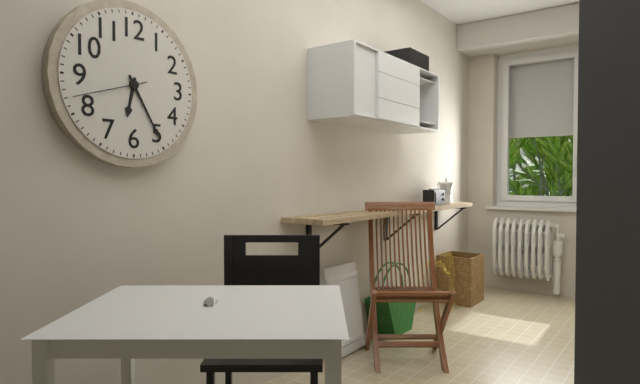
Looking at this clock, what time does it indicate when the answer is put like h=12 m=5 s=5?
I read h=6 m=25 s=42
